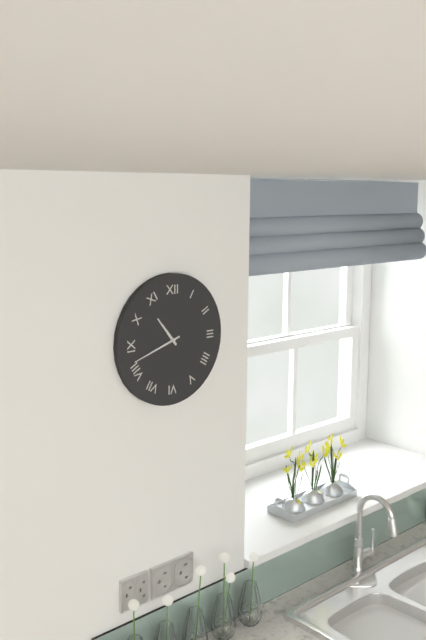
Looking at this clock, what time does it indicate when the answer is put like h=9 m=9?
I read h=10 m=42
